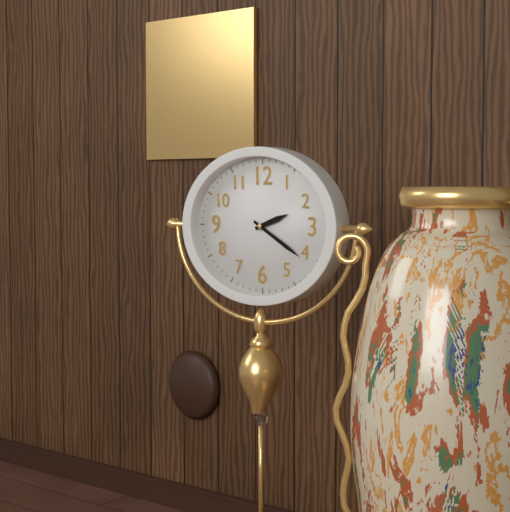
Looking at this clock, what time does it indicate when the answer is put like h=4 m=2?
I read h=2 m=20
